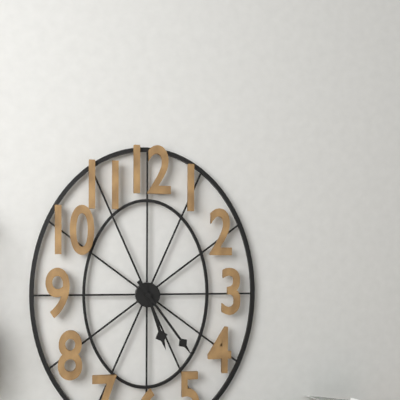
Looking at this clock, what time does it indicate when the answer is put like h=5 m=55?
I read h=5 m=24
